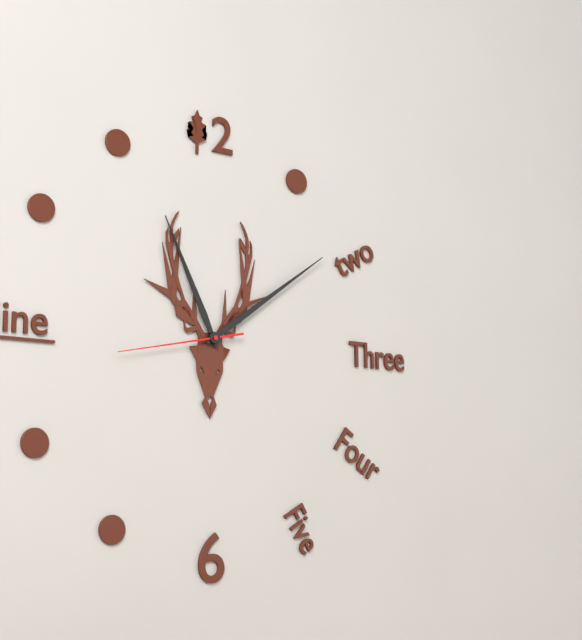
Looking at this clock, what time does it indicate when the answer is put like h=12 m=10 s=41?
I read h=11 m=9 s=43
